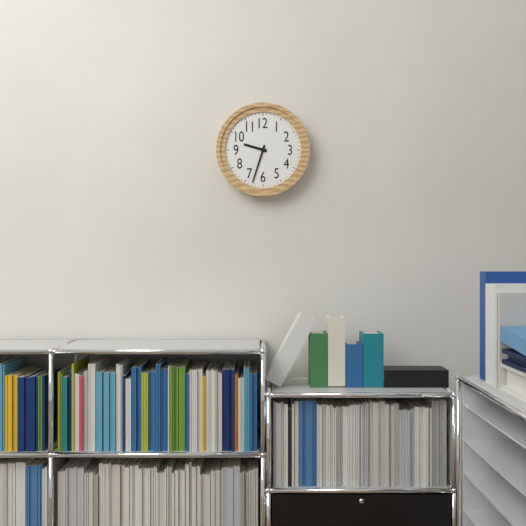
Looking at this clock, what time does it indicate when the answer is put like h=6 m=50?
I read h=9 m=33
